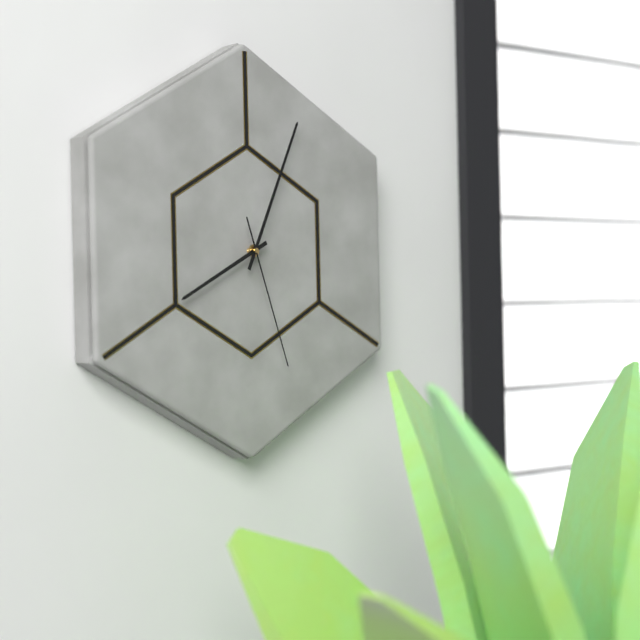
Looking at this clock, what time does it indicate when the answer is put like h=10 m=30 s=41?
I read h=8 m=4 s=27
